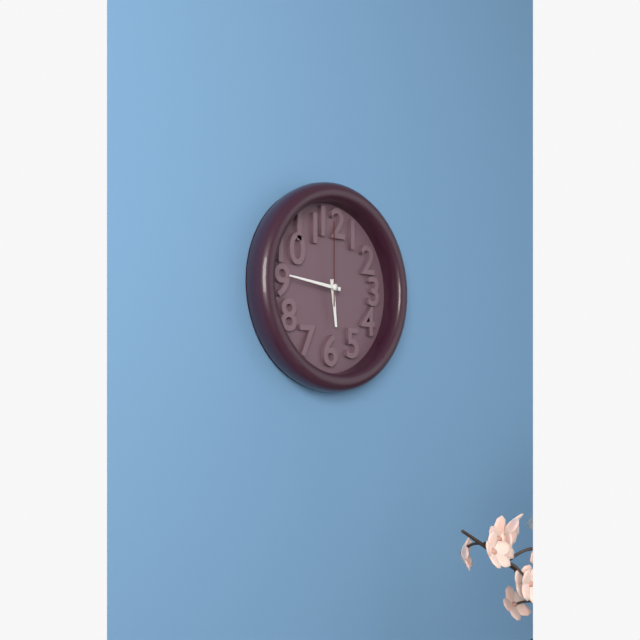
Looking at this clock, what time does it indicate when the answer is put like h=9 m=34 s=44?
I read h=5 m=46 s=0
